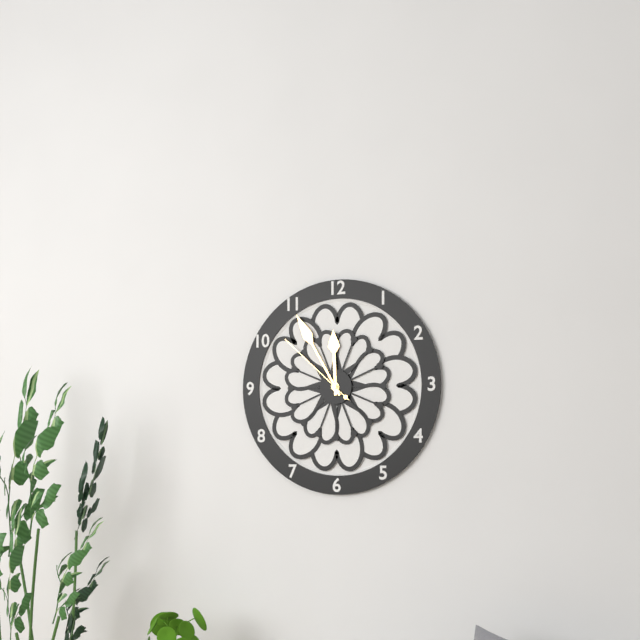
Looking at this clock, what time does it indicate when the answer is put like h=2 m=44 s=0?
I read h=11 m=55 s=52
